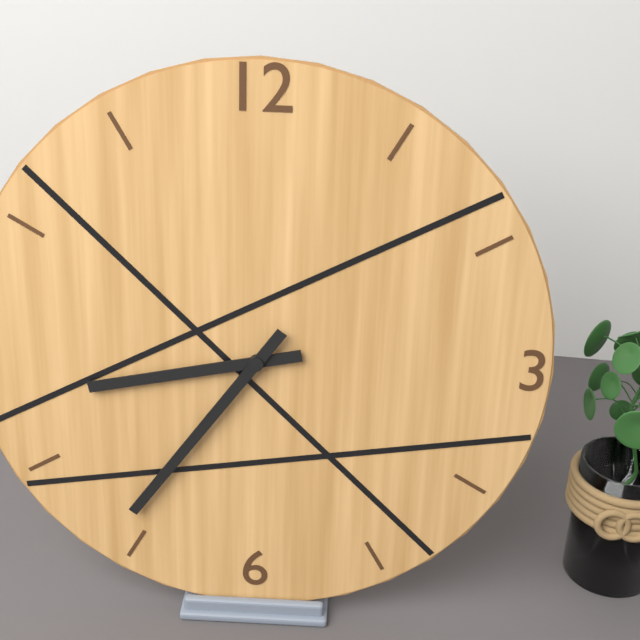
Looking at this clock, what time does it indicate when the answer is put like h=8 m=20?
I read h=8 m=36
